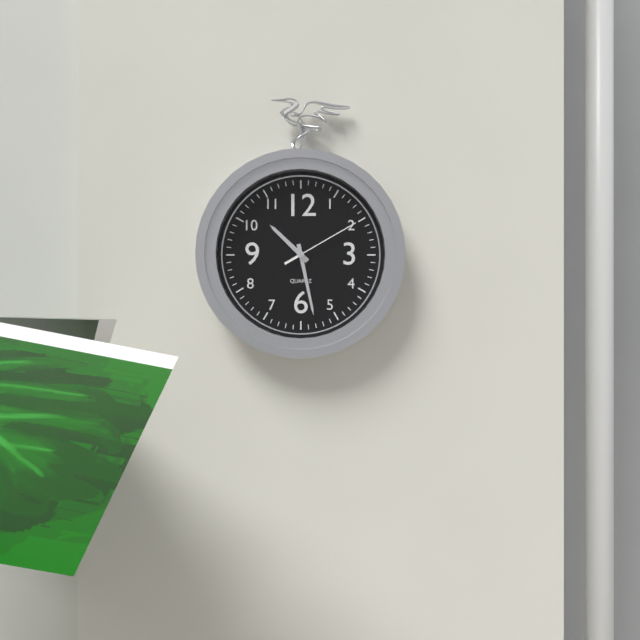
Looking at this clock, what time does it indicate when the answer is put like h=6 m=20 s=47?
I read h=10 m=28 s=10
